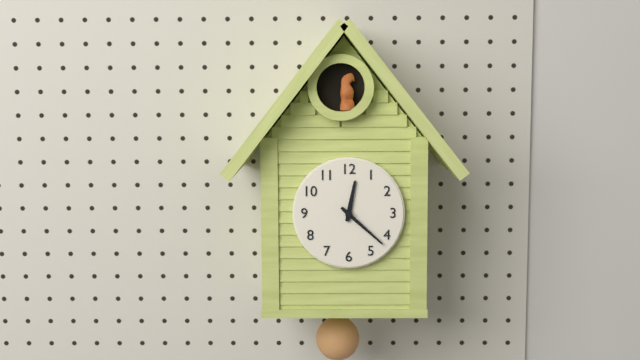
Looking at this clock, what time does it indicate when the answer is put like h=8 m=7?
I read h=12 m=22
